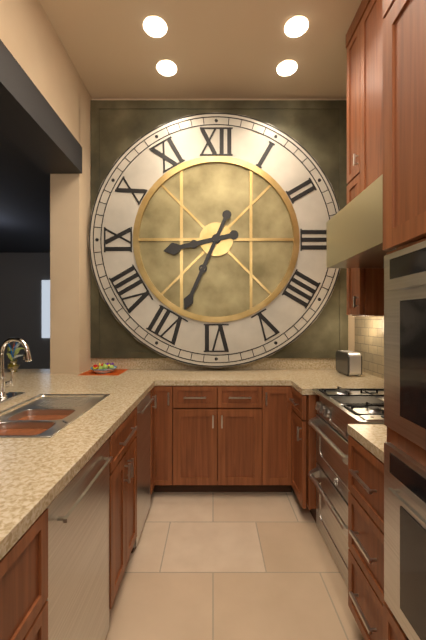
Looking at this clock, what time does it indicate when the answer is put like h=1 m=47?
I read h=8 m=34
